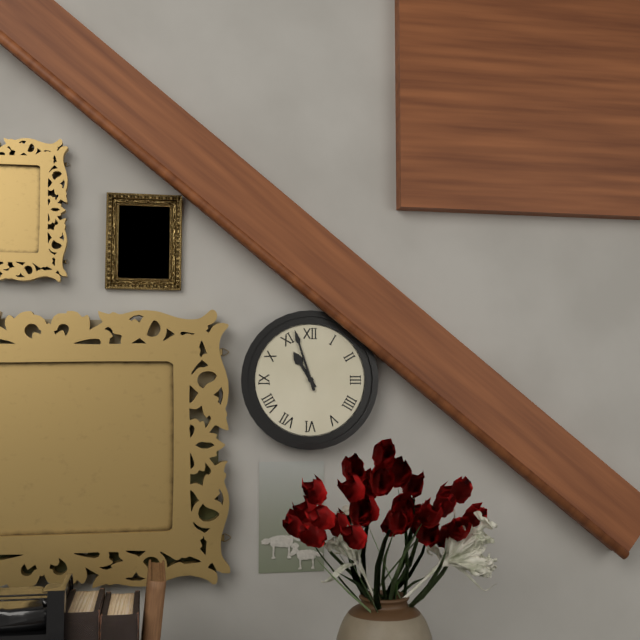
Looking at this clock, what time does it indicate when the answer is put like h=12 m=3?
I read h=10 m=57
